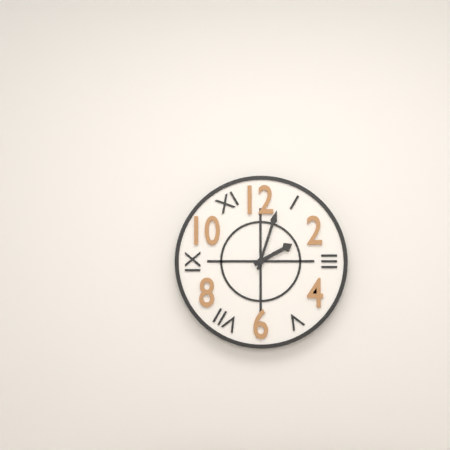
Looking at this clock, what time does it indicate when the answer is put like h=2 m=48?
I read h=2 m=3
